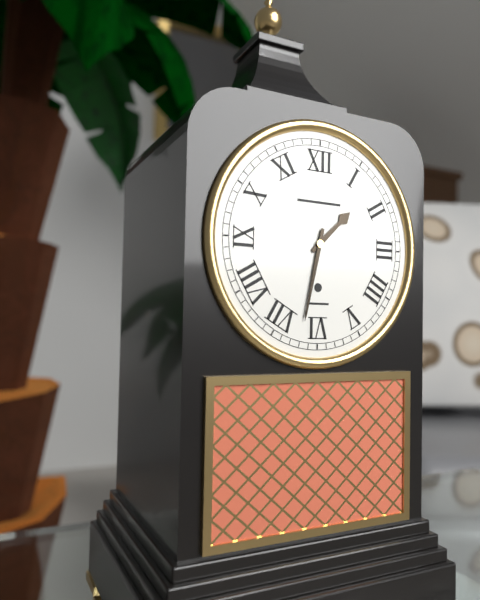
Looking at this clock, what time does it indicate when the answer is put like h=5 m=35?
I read h=1 m=32
